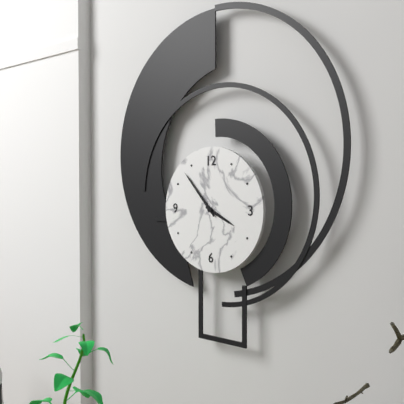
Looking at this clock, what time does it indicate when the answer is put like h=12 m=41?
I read h=3 m=53
